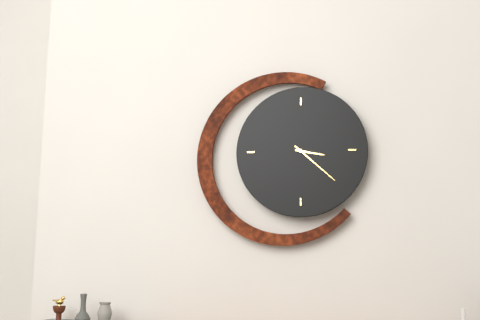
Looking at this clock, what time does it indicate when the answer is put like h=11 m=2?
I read h=3 m=22
